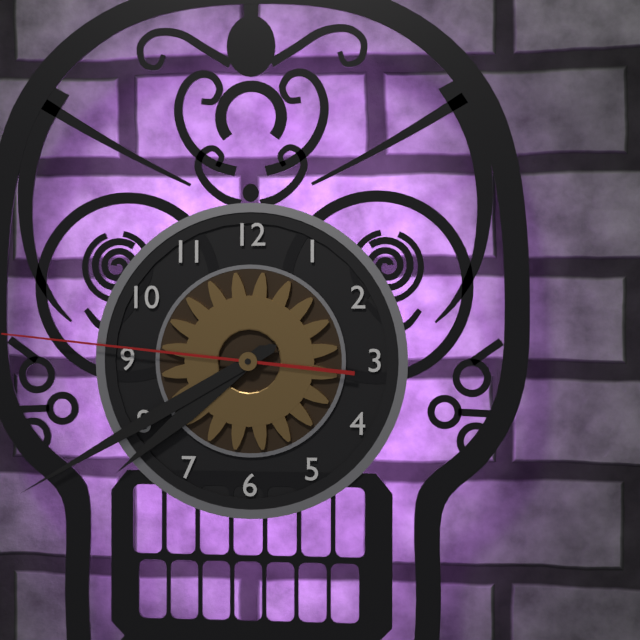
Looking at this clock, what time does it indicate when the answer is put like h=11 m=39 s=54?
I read h=7 m=40 s=46
